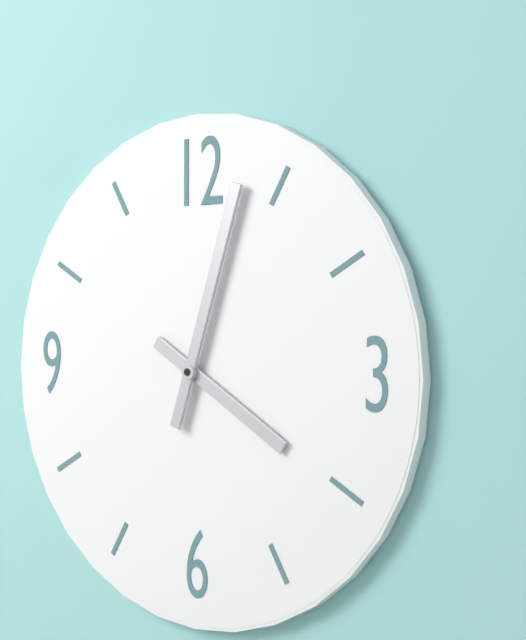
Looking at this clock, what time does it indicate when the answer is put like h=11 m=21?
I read h=4 m=3
